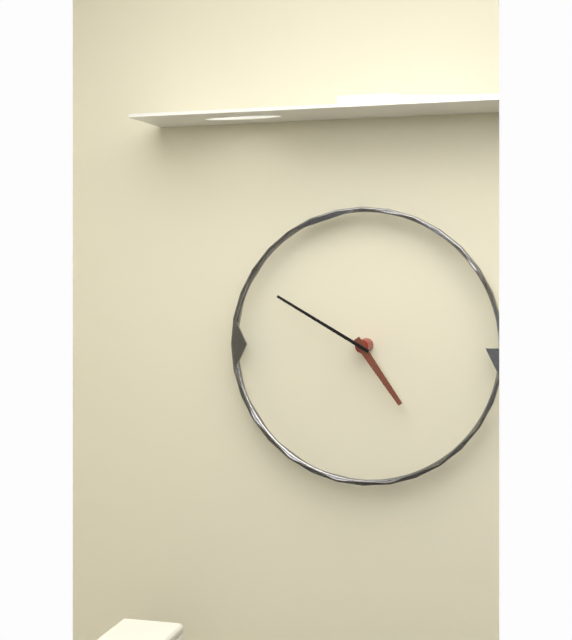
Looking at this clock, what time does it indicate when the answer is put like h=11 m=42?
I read h=4 m=50
